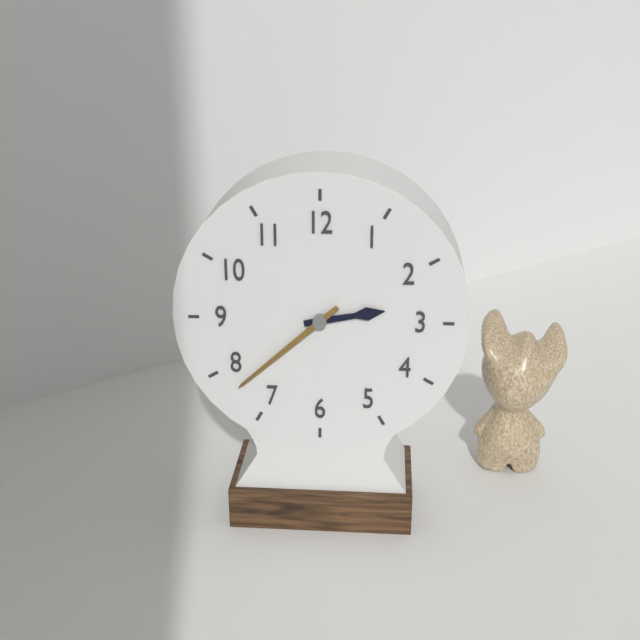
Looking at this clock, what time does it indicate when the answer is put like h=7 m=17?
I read h=2 m=38
